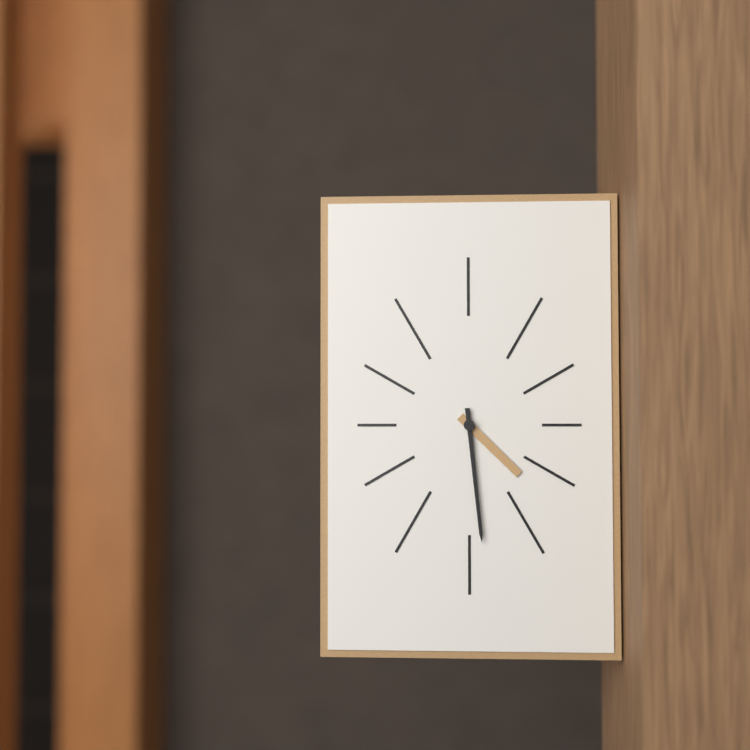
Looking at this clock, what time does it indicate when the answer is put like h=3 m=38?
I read h=4 m=29
